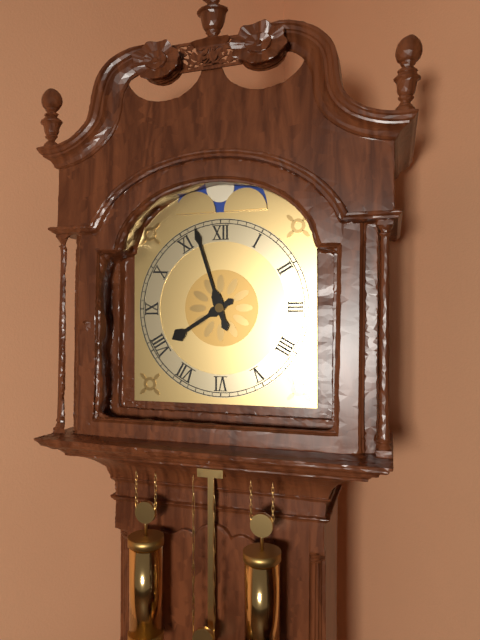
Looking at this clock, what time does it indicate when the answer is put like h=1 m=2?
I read h=7 m=57
